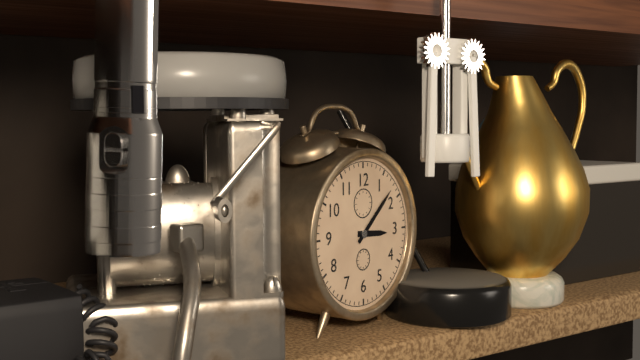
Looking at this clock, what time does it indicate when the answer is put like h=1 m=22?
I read h=3 m=8
